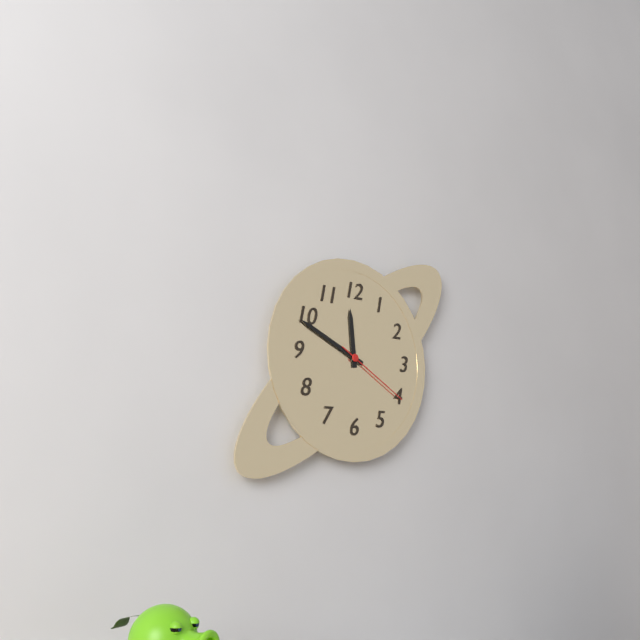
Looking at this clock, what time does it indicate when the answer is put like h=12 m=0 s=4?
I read h=11 m=49 s=20
